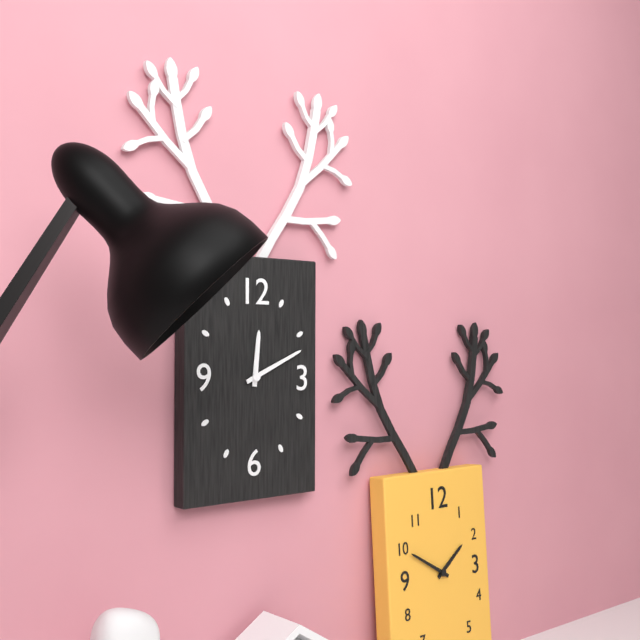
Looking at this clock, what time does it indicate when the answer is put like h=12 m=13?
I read h=12 m=11
